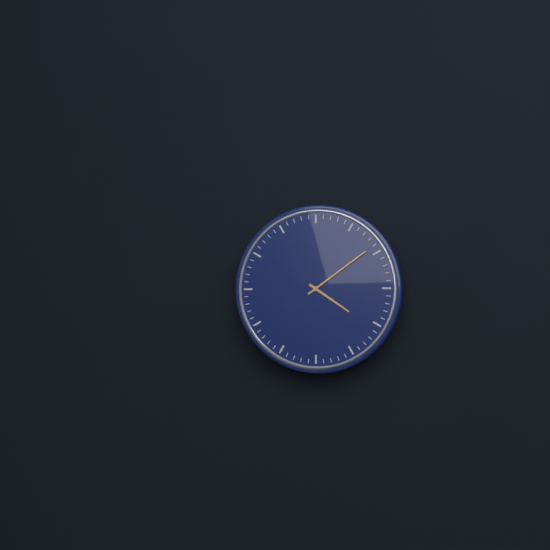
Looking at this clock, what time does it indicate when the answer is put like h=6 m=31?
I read h=4 m=9
